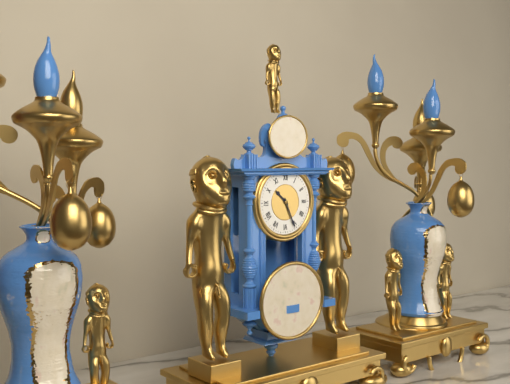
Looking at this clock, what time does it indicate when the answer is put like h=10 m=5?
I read h=10 m=26
